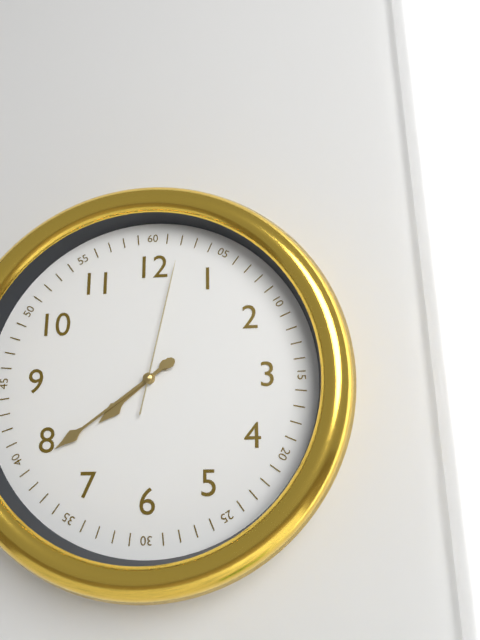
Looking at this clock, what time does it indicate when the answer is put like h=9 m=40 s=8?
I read h=7 m=39 s=2
